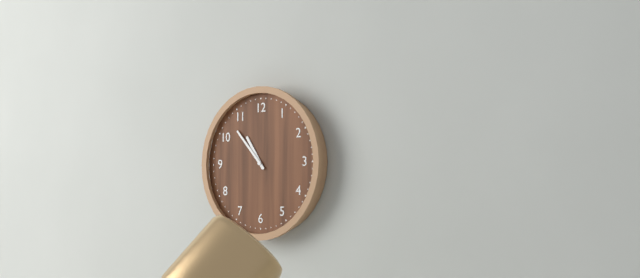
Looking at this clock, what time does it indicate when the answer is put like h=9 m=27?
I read h=10 m=53
